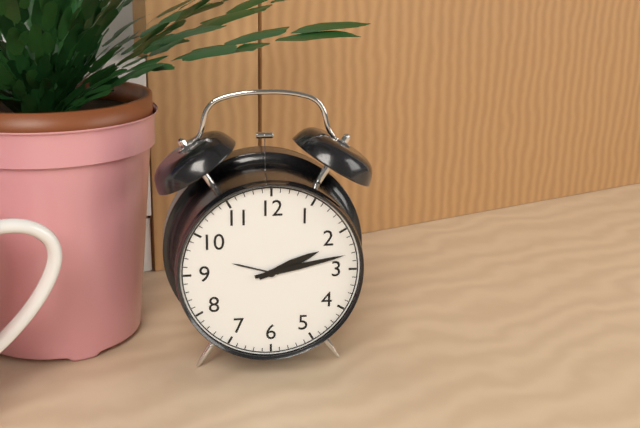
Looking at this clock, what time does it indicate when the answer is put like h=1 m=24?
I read h=2 m=13
